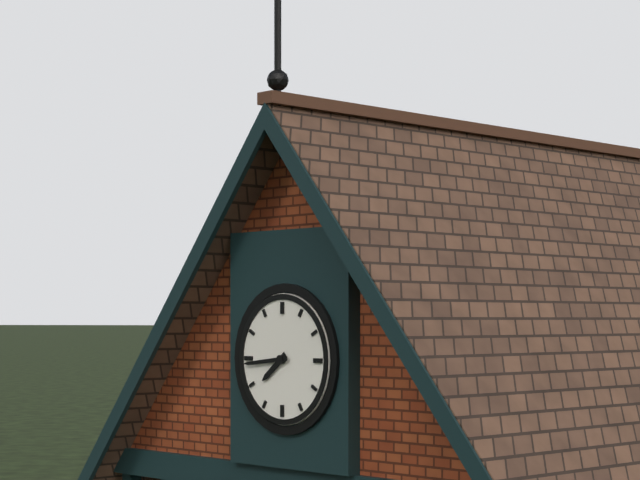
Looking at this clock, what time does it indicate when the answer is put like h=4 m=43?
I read h=7 m=44
